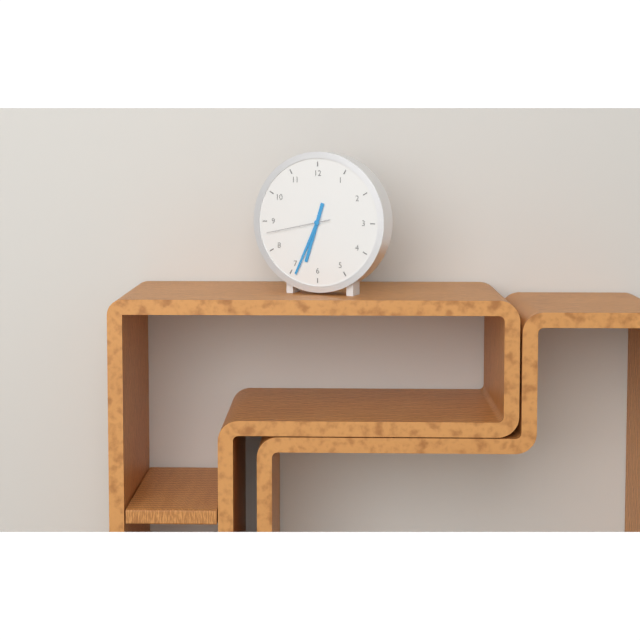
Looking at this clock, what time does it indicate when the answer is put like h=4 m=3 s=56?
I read h=6 m=34 s=43
